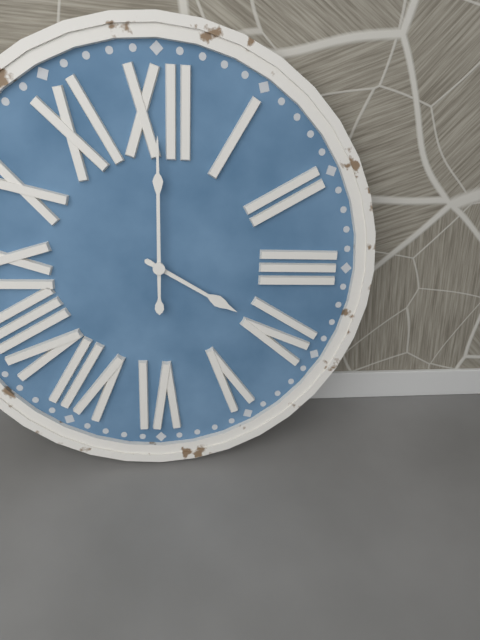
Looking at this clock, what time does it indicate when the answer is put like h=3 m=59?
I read h=4 m=0
